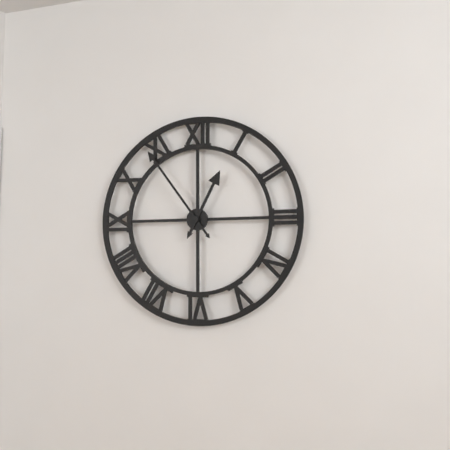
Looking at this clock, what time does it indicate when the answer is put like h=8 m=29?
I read h=12 m=54
